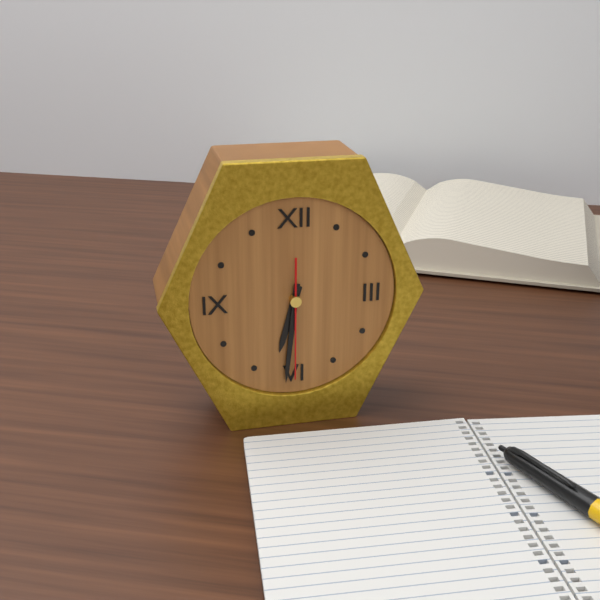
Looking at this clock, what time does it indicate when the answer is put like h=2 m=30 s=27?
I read h=6 m=31 s=30
